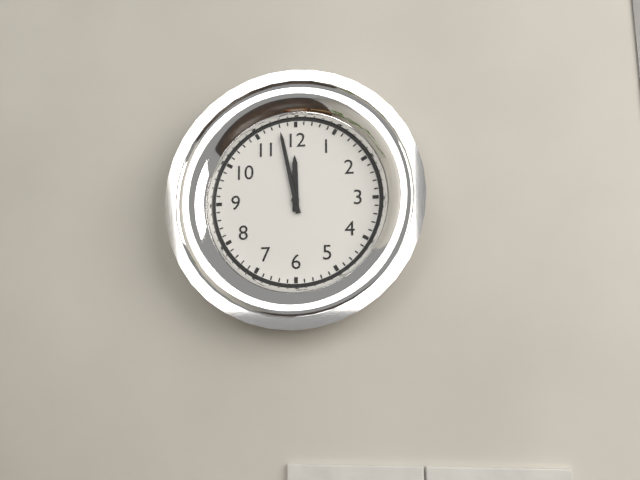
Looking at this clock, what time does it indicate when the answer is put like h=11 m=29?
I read h=11 m=58
